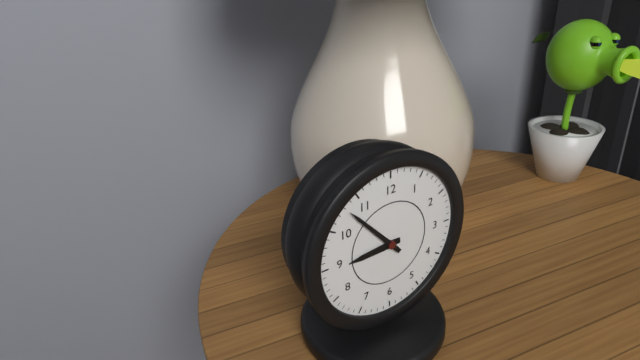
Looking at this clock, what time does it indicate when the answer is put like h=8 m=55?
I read h=8 m=53
